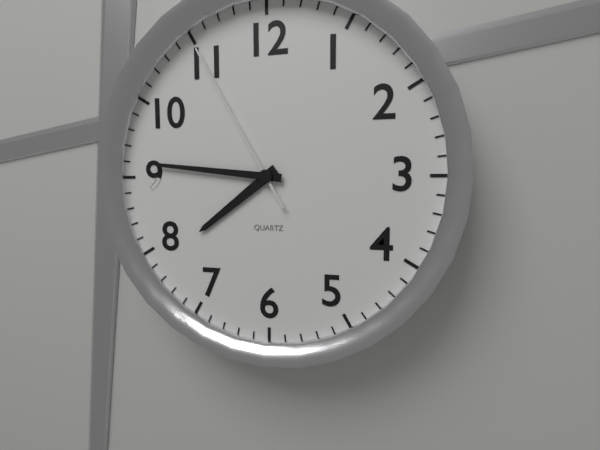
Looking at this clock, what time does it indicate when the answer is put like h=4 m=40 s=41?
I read h=7 m=46 s=55
